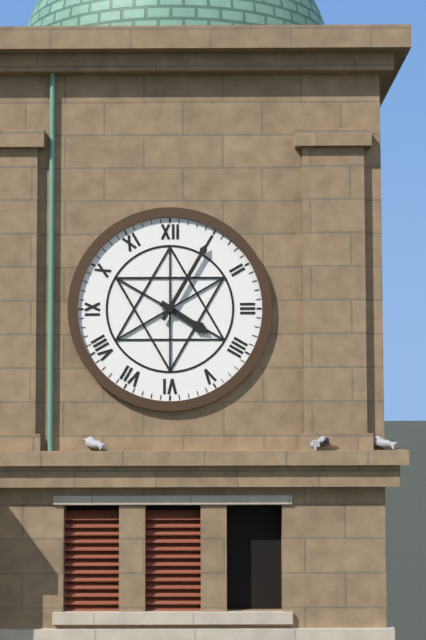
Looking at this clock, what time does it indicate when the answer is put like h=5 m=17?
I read h=4 m=5
